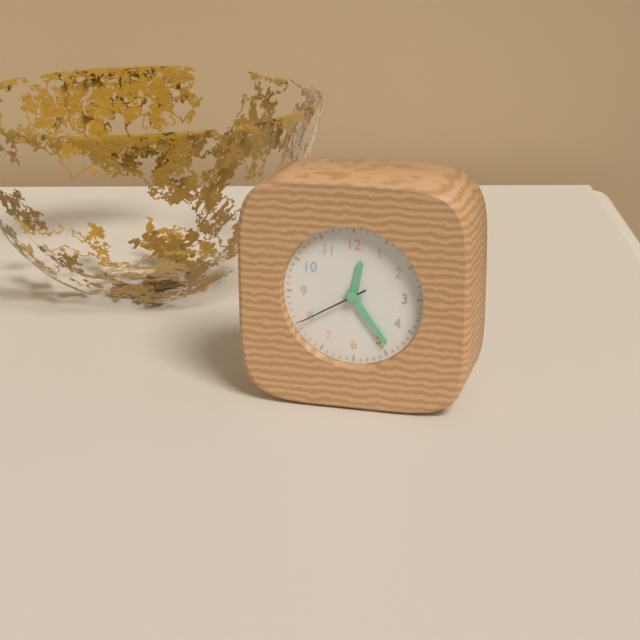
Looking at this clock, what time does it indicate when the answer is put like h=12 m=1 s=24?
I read h=12 m=24 s=40
